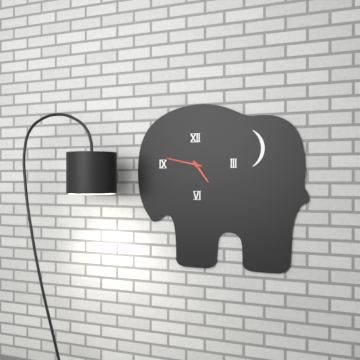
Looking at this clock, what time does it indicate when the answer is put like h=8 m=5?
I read h=4 m=47
